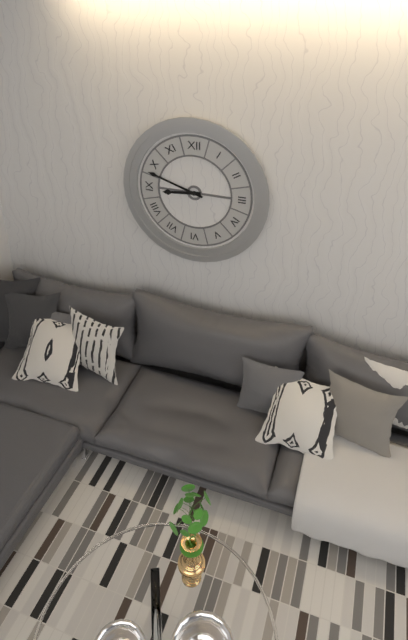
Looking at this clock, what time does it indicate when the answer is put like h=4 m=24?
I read h=8 m=48
